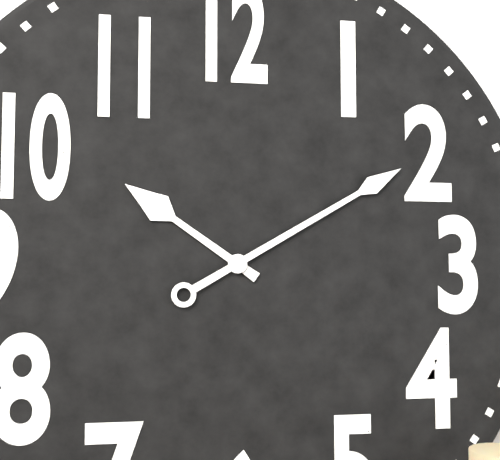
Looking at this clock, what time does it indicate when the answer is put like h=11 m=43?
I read h=10 m=10
